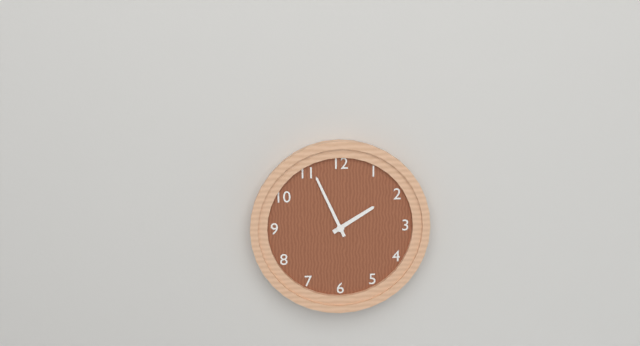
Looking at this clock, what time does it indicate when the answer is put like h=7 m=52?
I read h=1 m=56
